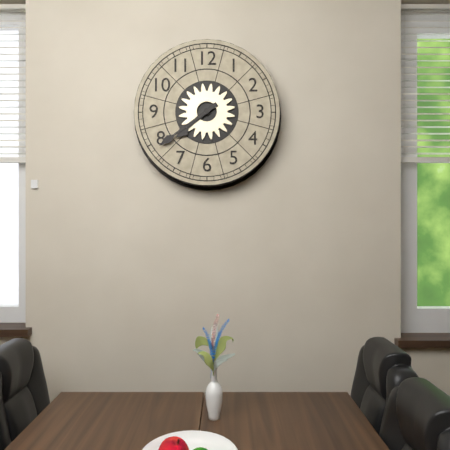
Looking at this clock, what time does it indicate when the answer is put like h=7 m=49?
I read h=7 m=39
